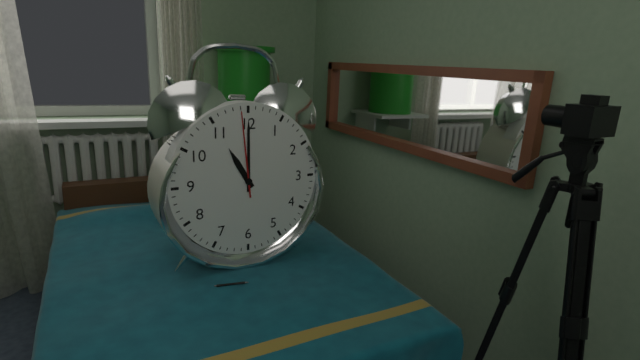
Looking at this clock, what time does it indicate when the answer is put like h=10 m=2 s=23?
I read h=11 m=0 s=59
